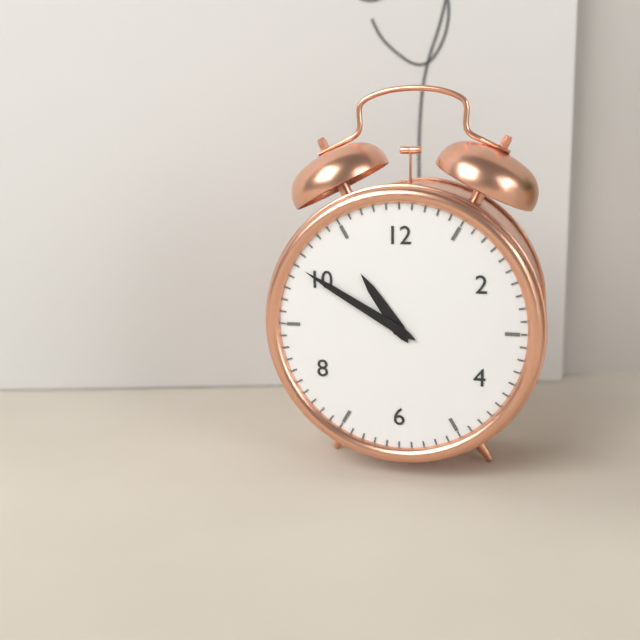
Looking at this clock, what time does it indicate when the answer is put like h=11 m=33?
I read h=10 m=50
